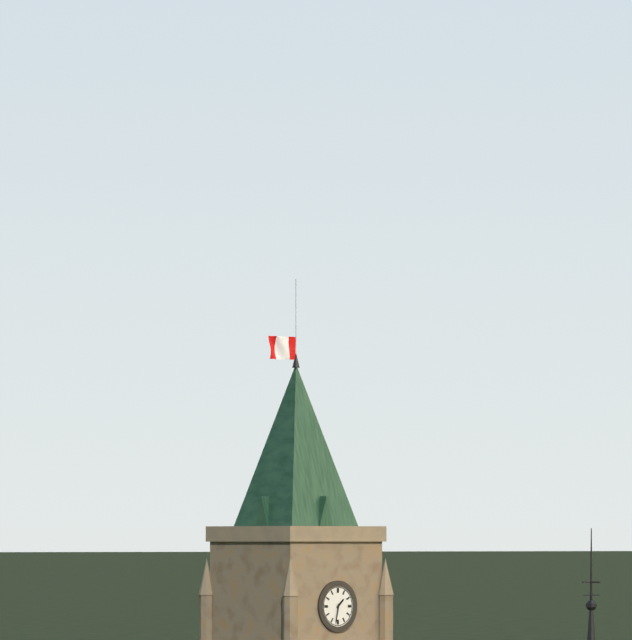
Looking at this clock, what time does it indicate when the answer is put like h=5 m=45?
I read h=1 m=32
